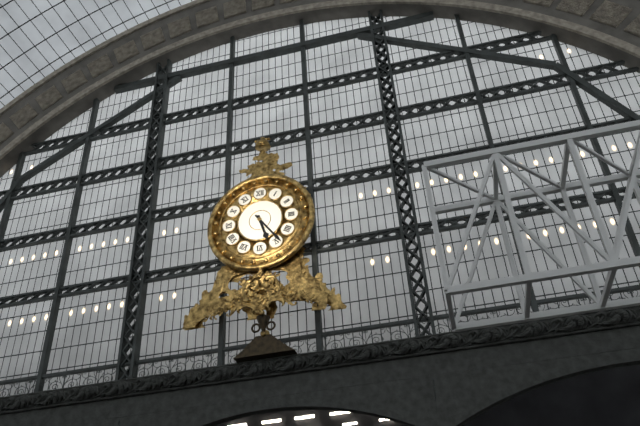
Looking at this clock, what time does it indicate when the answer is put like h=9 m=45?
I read h=5 m=24
